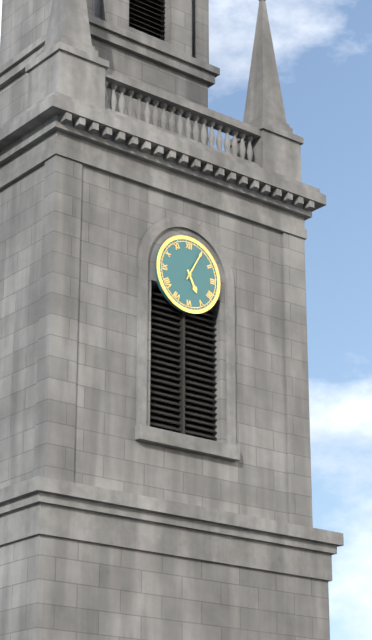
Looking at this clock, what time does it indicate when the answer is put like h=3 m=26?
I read h=5 m=5
